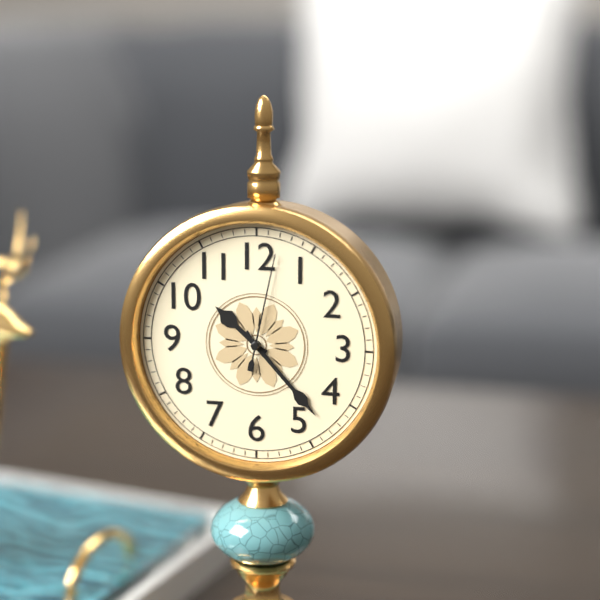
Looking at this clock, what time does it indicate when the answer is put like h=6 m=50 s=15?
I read h=10 m=23 s=2
